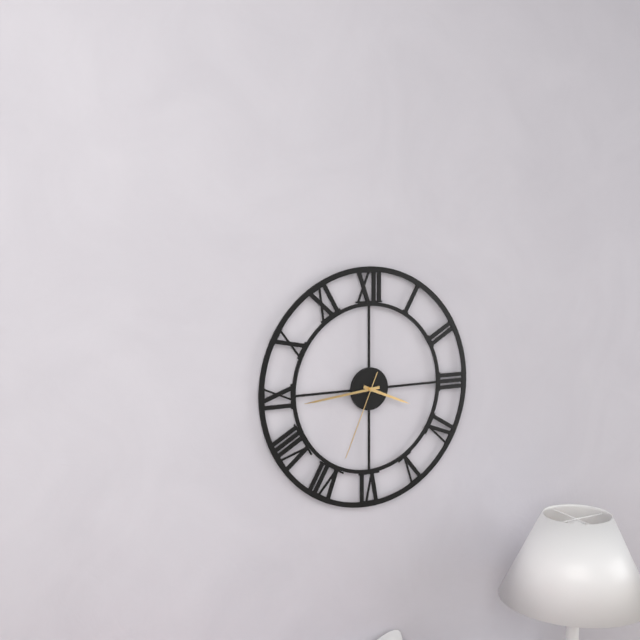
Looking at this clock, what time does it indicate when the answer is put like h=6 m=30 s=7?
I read h=3 m=44 s=34
